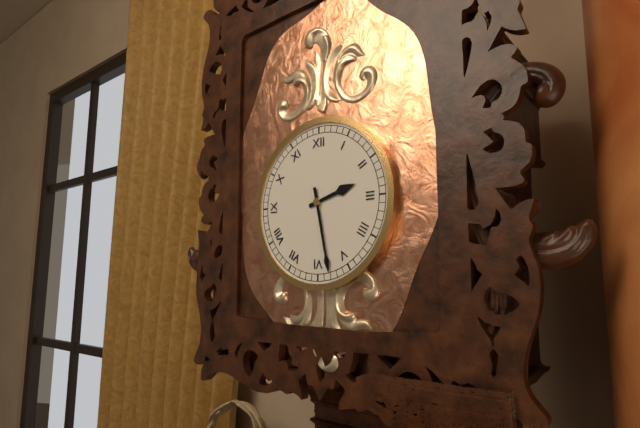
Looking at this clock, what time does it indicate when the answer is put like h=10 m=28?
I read h=2 m=28
